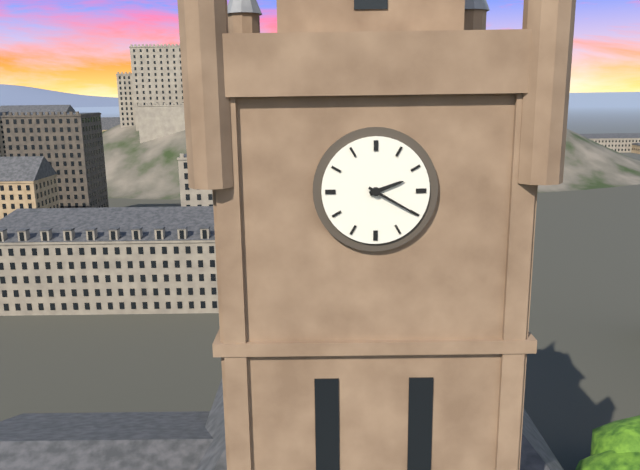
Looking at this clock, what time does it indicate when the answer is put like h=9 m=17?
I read h=2 m=20
